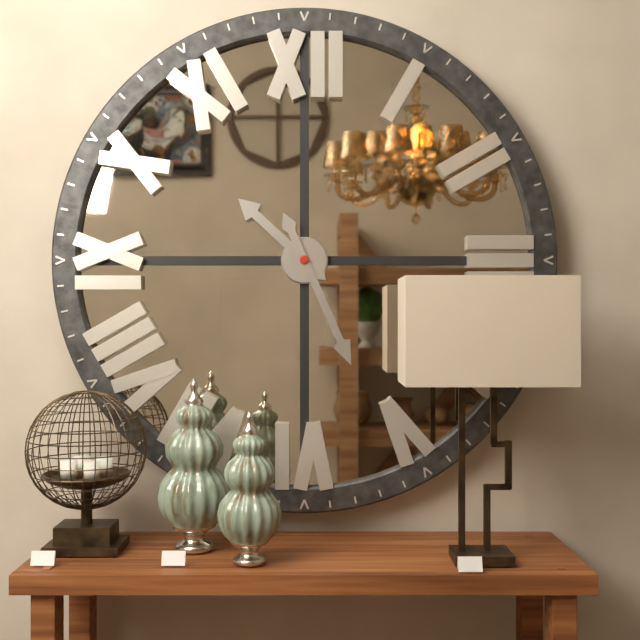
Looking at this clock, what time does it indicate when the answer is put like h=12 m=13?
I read h=10 m=26
